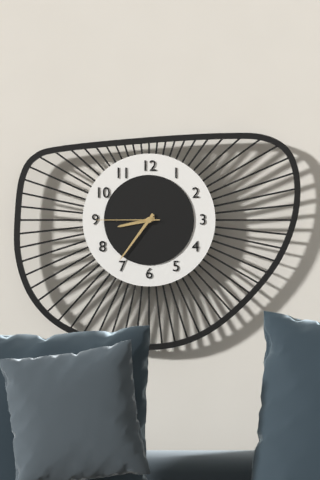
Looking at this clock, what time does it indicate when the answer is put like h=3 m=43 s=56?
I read h=8 m=36 s=45
